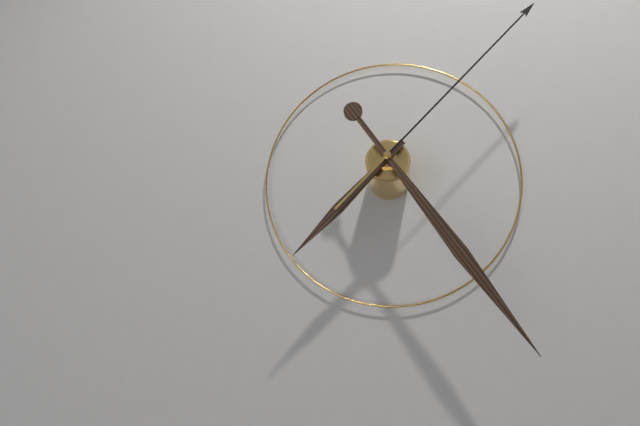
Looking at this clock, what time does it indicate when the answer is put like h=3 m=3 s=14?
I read h=7 m=24 s=7
